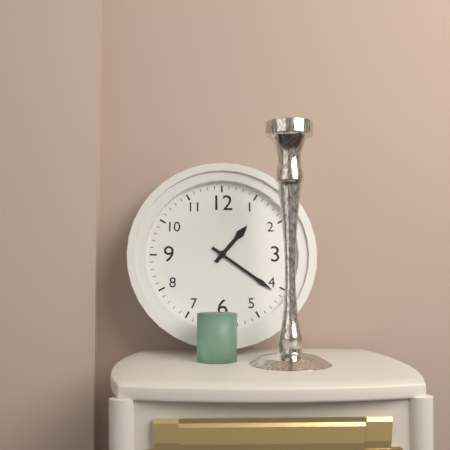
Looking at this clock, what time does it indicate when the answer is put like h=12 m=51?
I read h=1 m=21
